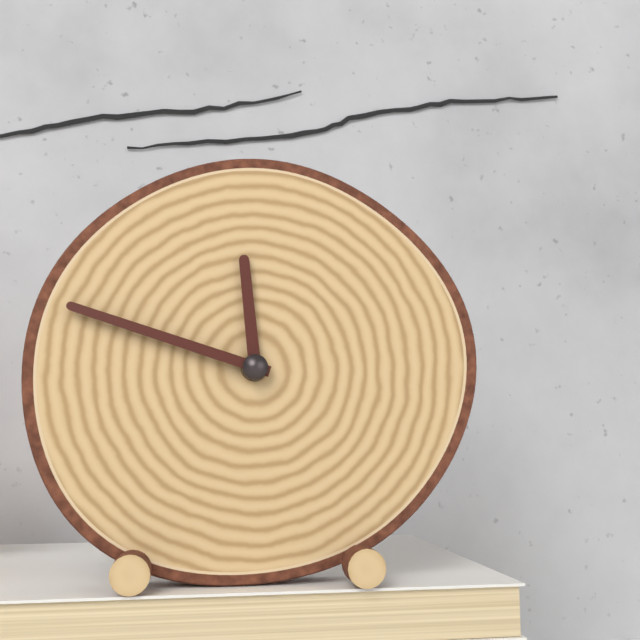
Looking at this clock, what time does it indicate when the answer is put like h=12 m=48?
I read h=11 m=48
